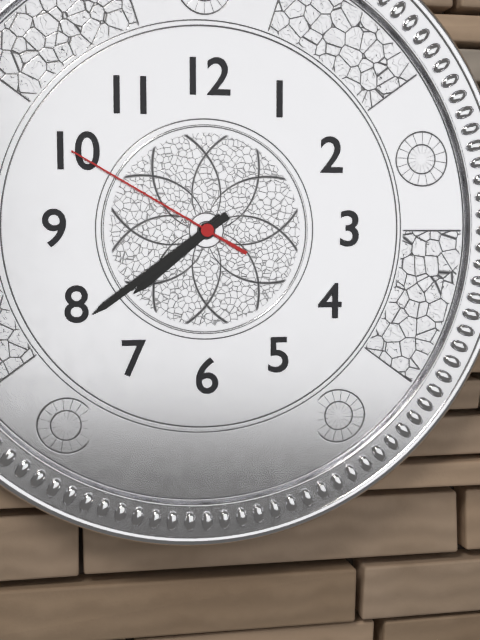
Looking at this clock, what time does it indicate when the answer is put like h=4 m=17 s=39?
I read h=7 m=39 s=50
